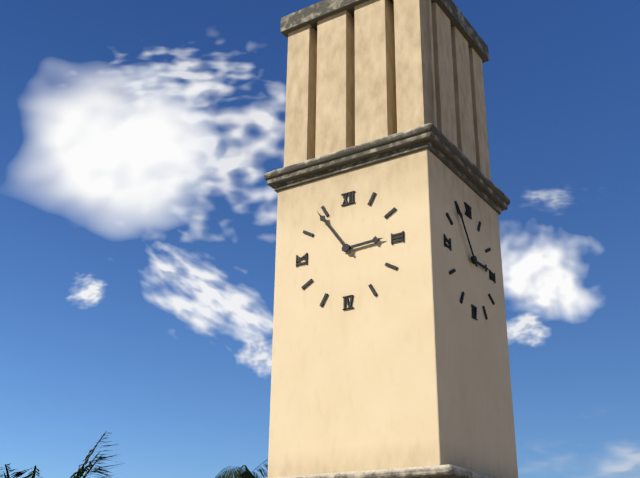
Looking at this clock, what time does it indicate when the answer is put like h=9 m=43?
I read h=2 m=54
